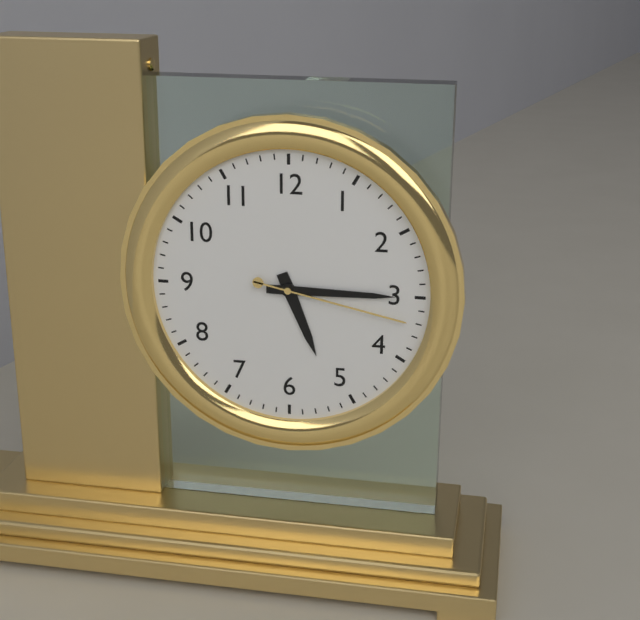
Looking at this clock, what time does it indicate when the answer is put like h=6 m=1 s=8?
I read h=5 m=15 s=17
